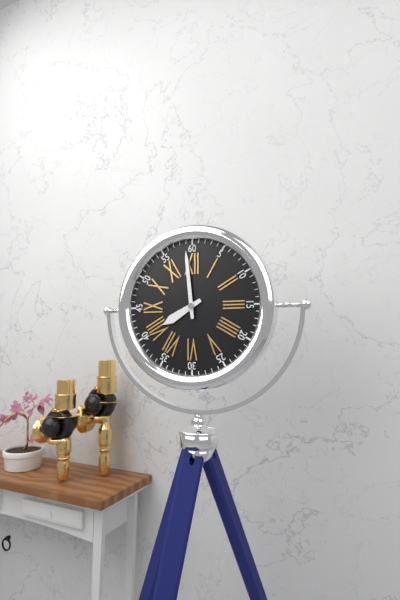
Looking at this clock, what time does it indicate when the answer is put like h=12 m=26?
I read h=7 m=59
